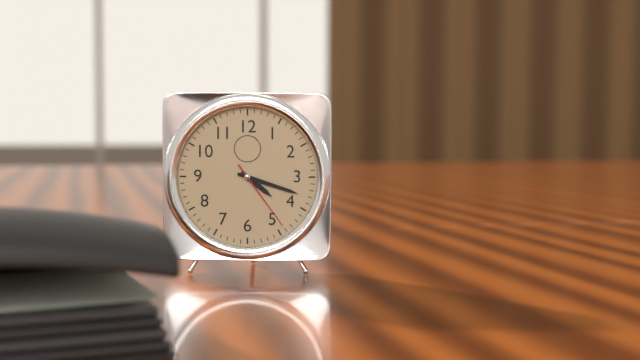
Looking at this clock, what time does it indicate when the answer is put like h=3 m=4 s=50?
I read h=4 m=18 s=24
